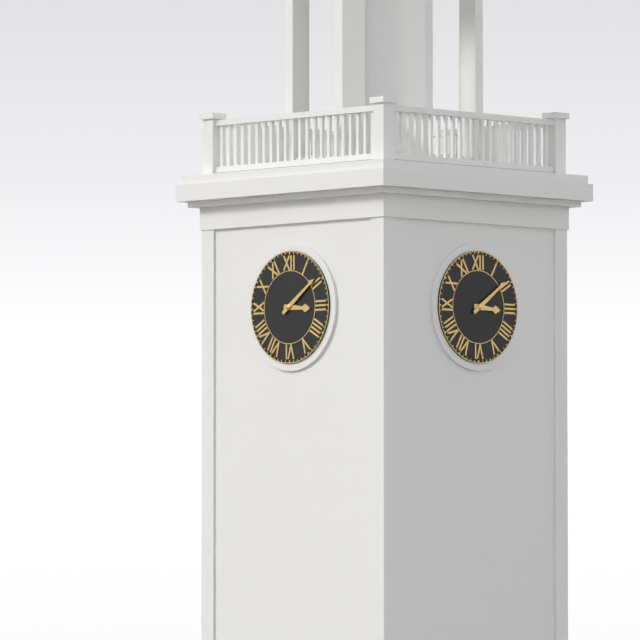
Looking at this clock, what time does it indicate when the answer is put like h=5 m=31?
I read h=3 m=9
